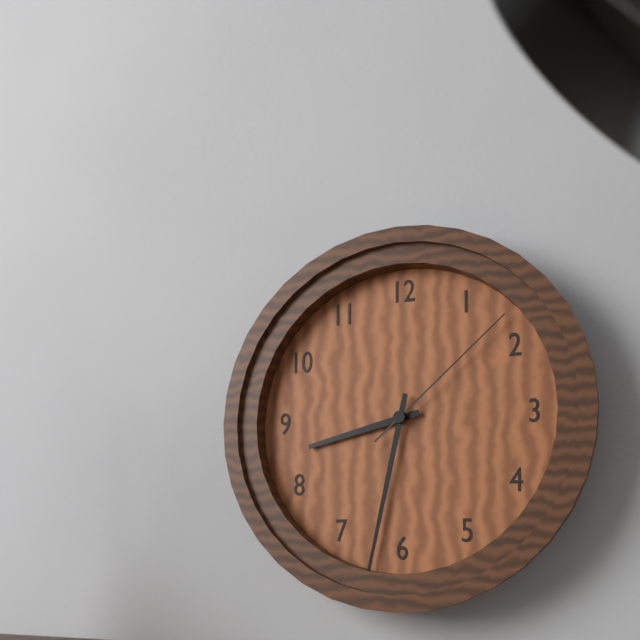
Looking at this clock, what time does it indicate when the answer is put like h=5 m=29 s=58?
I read h=8 m=32 s=8
